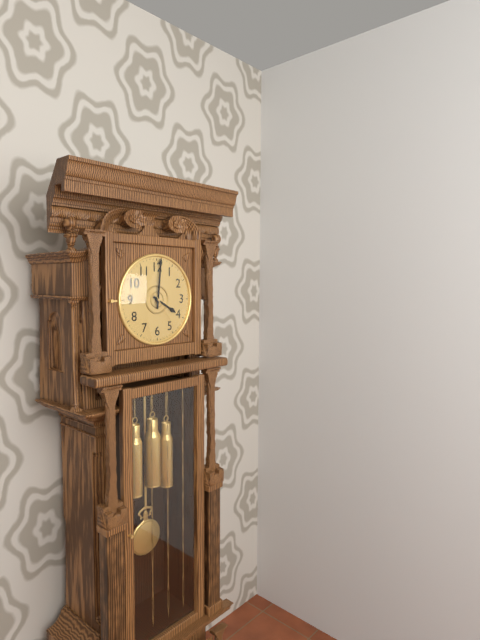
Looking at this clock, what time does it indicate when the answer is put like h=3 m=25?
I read h=4 m=1
